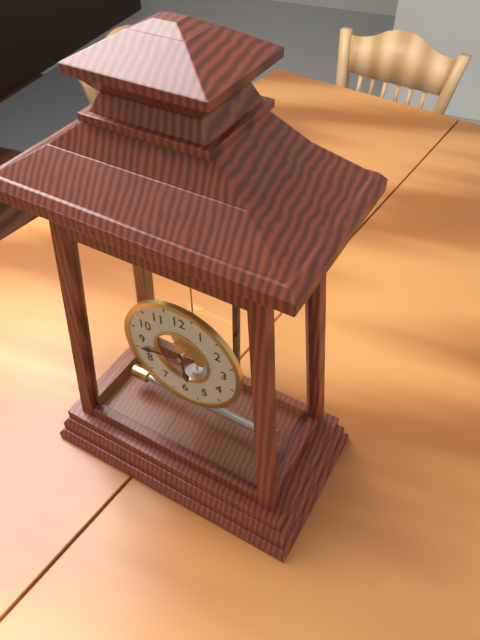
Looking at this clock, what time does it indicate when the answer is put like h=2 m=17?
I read h=5 m=43
